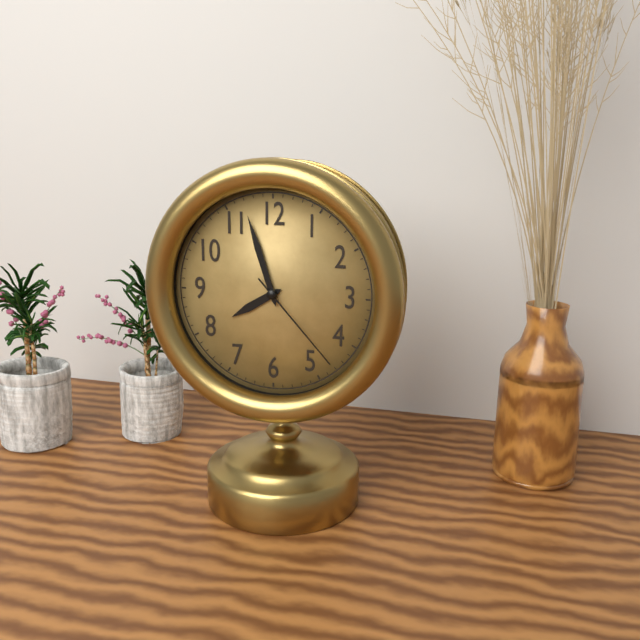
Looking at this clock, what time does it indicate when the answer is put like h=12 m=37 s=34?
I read h=7 m=57 s=23
